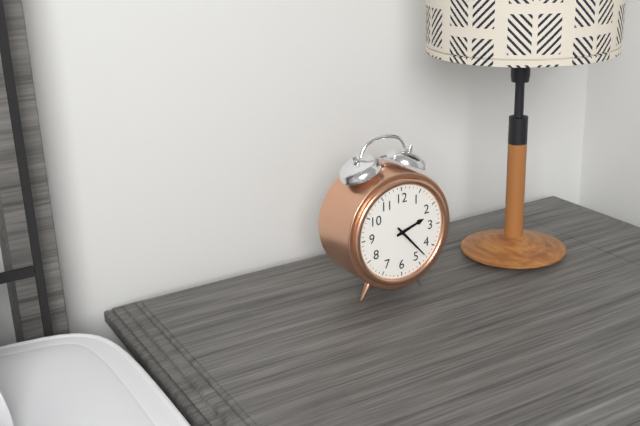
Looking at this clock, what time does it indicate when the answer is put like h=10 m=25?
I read h=2 m=23
